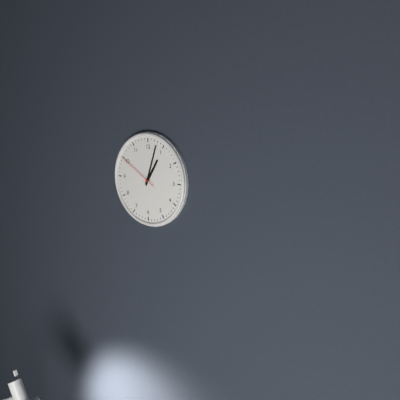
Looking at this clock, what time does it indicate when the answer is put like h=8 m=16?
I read h=1 m=3
